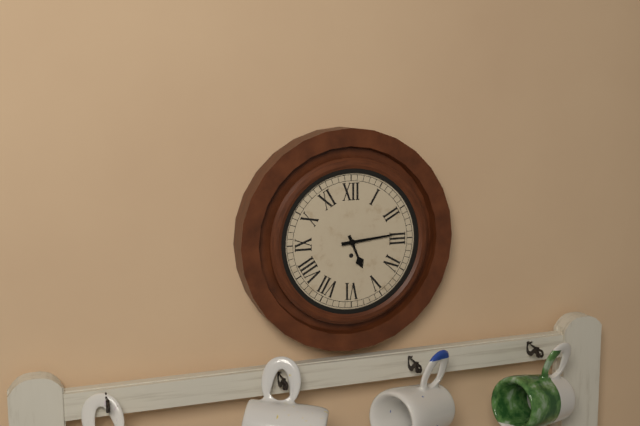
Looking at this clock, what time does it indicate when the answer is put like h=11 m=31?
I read h=5 m=14
